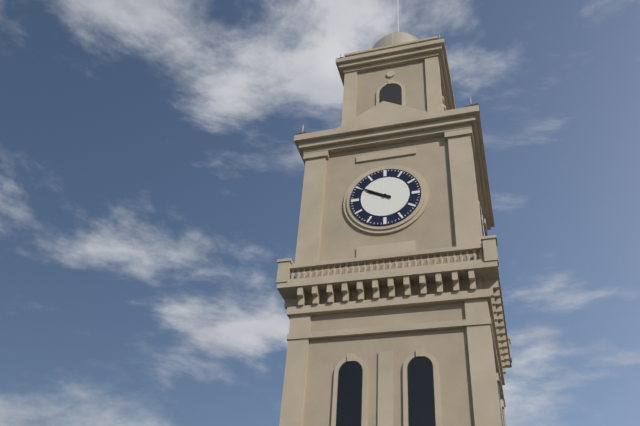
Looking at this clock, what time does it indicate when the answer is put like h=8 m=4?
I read h=9 m=50
